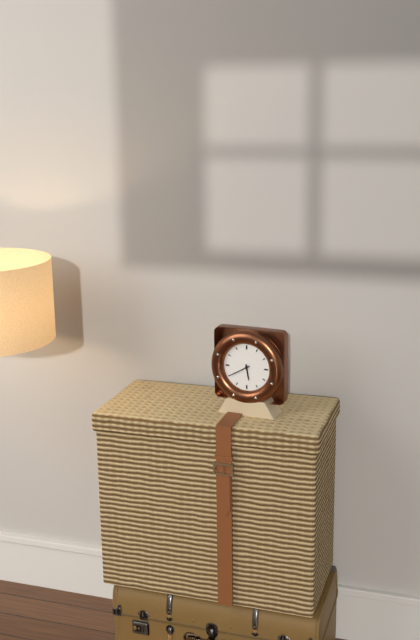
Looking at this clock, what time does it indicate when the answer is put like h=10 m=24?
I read h=5 m=40
